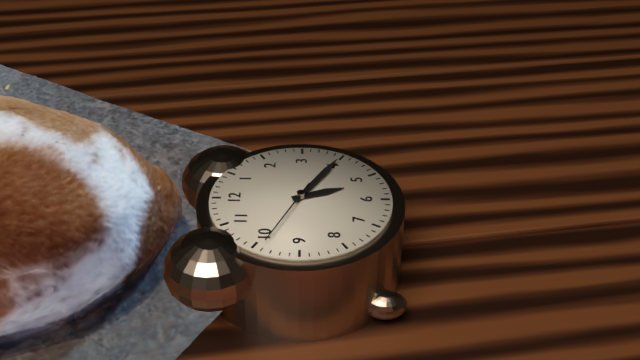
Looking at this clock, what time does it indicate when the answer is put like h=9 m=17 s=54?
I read h=5 m=20 s=49
